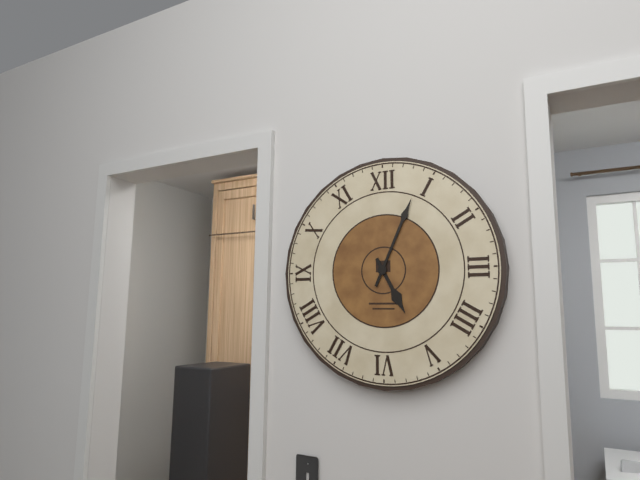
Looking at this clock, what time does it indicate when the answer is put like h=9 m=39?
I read h=5 m=4
